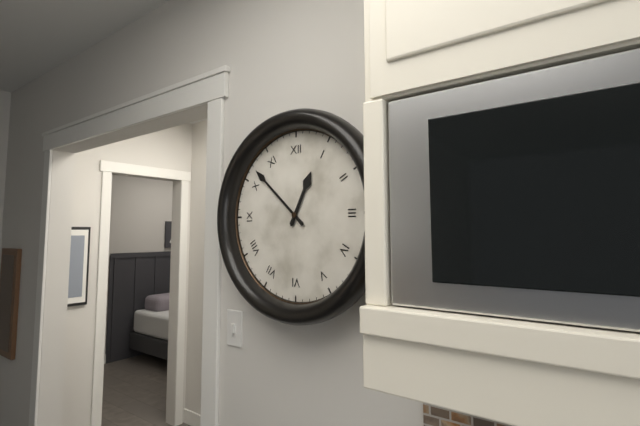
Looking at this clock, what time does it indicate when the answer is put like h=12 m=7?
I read h=12 m=52
